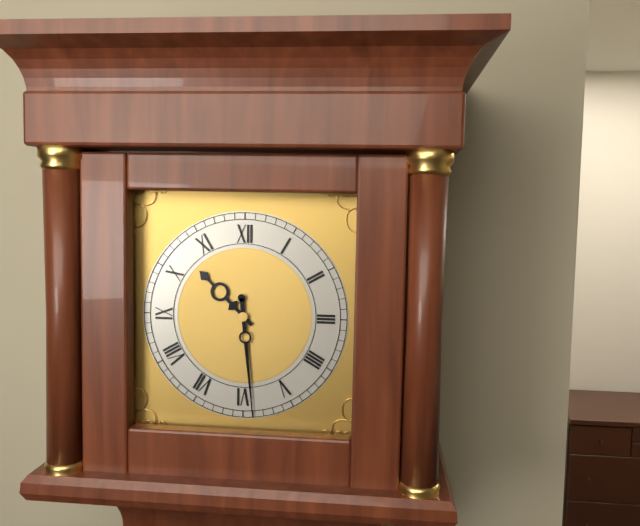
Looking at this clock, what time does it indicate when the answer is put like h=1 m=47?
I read h=10 m=29
